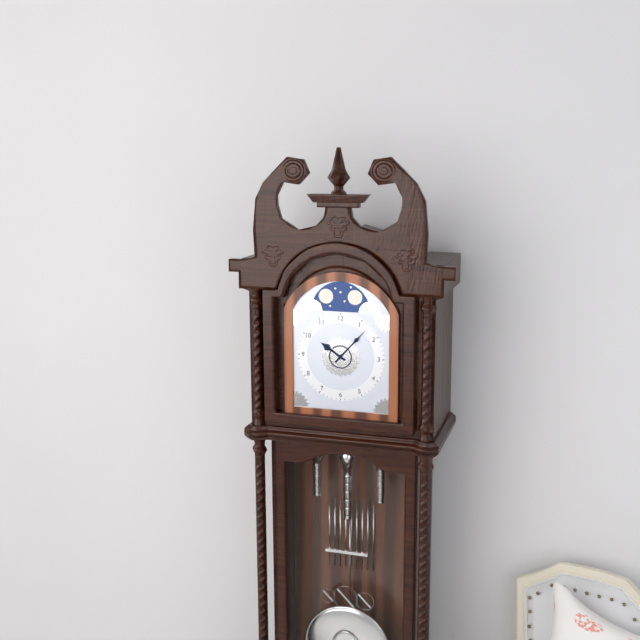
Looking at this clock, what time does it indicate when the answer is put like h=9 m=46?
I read h=10 m=7
